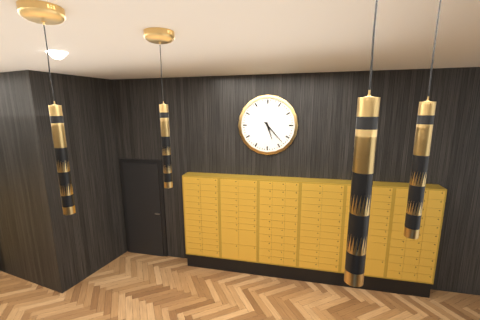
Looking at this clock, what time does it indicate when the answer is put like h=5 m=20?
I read h=5 m=23
